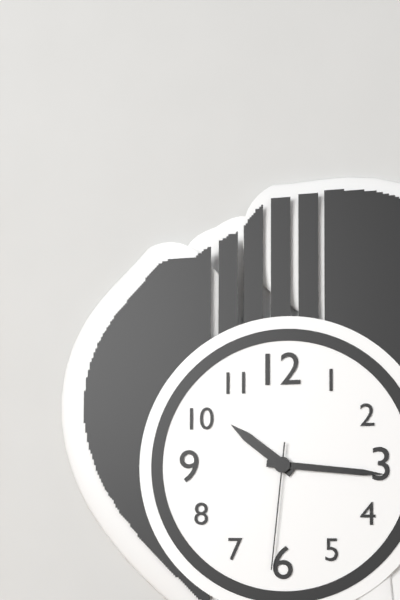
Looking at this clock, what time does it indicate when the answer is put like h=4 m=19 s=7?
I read h=10 m=16 s=31
